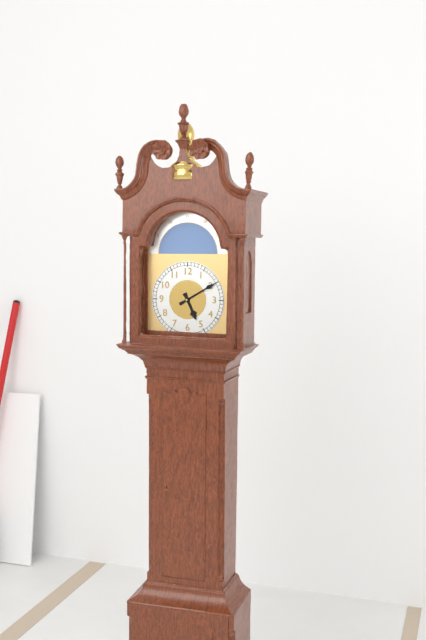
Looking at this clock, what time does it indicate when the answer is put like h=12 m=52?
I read h=5 m=10
